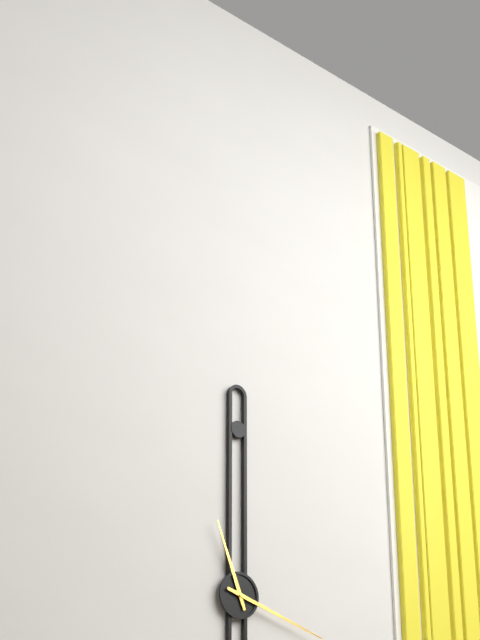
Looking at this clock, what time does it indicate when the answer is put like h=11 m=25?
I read h=11 m=18
